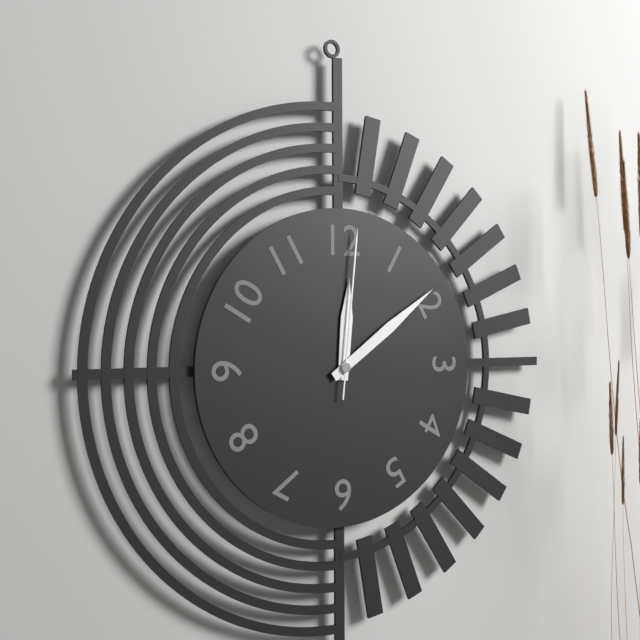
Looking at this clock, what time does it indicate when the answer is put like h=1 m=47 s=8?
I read h=12 m=9 s=1
